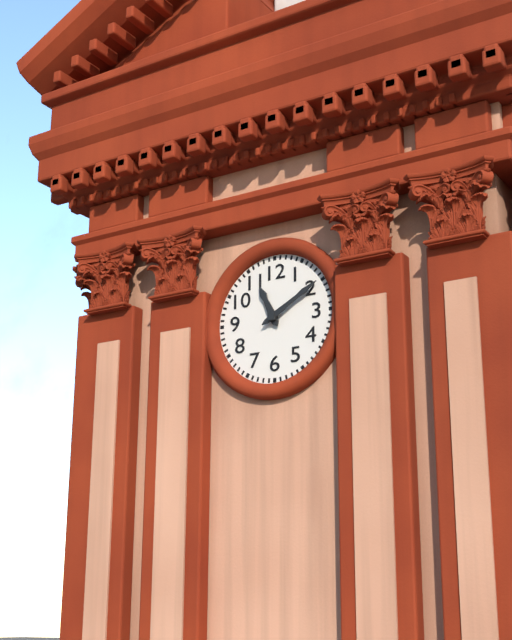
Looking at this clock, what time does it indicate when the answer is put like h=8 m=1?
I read h=11 m=10
